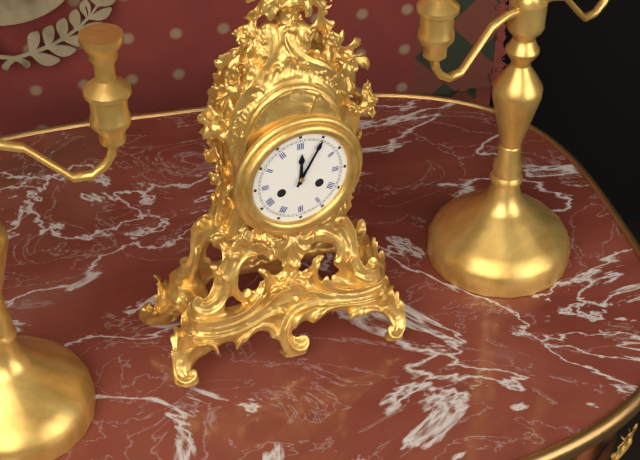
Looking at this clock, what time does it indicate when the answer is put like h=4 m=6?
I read h=12 m=5
